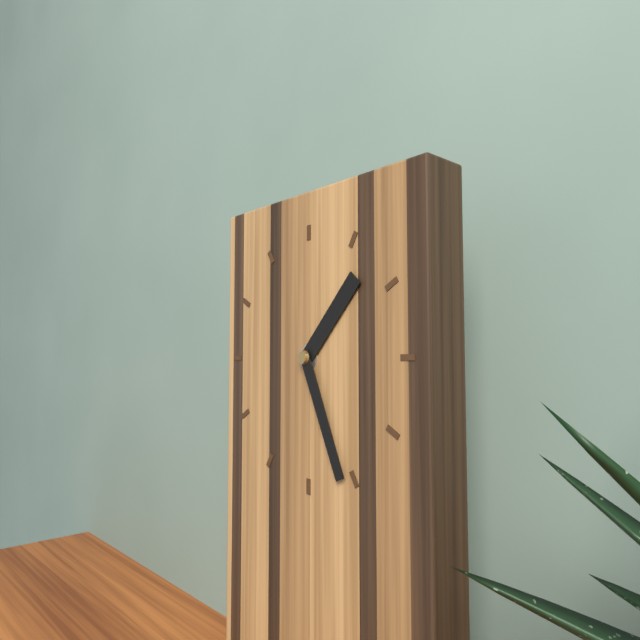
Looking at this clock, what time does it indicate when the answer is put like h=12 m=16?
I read h=1 m=26
